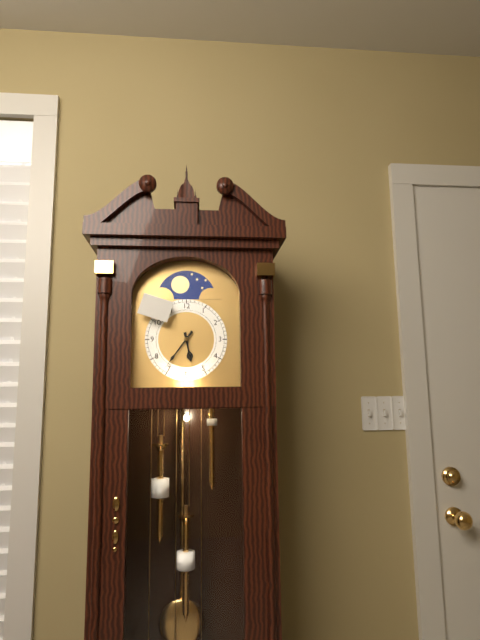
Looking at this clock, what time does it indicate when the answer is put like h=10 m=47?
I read h=5 m=36
